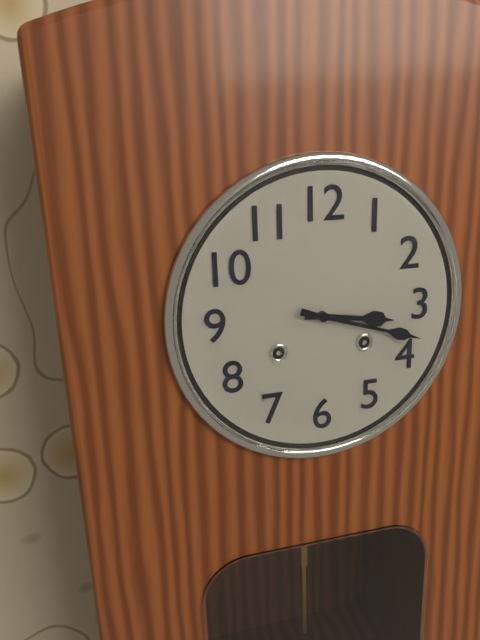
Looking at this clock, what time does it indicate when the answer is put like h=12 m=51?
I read h=3 m=18
